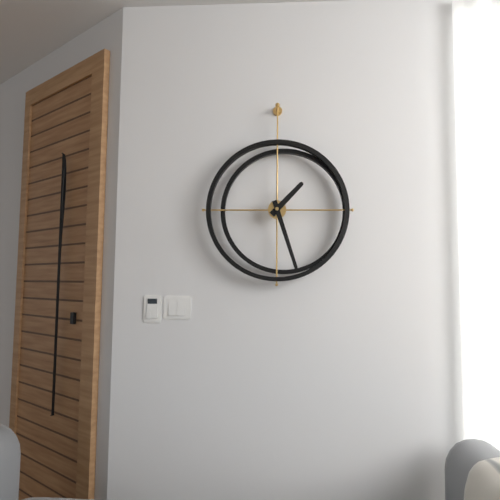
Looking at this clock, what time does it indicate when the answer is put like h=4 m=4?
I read h=1 m=27
